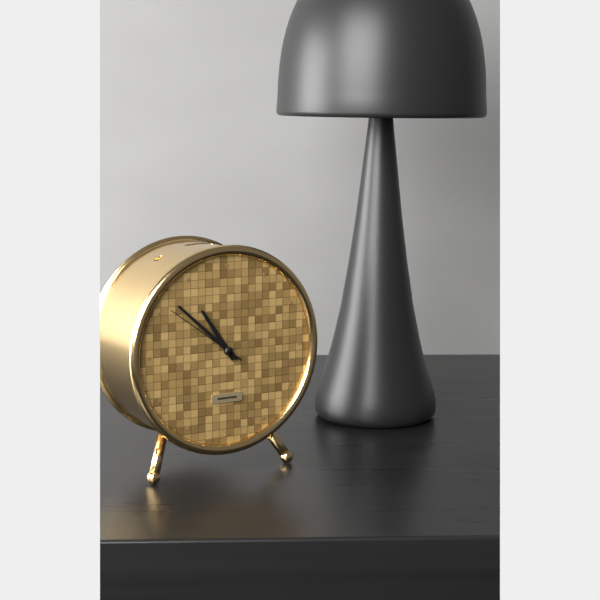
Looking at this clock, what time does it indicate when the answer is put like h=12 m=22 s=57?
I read h=10 m=52 s=51
